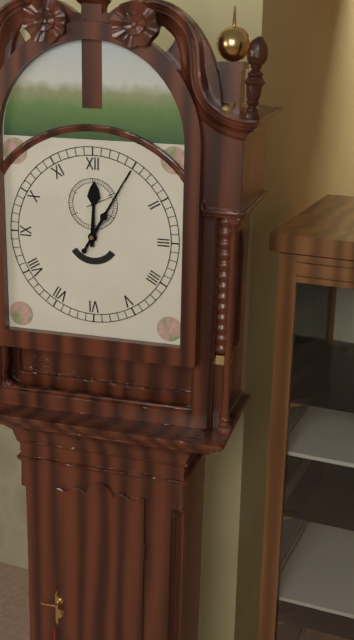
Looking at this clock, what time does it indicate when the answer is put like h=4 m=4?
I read h=12 m=5
